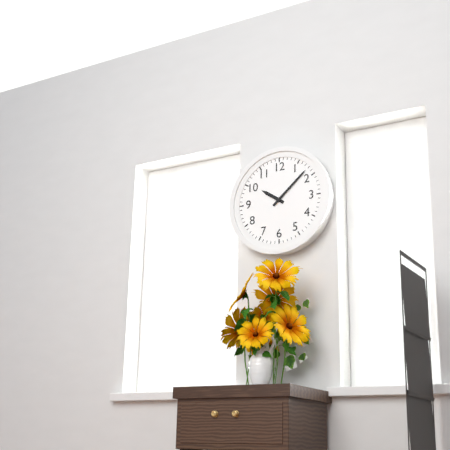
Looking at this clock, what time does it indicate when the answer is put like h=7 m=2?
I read h=10 m=8
